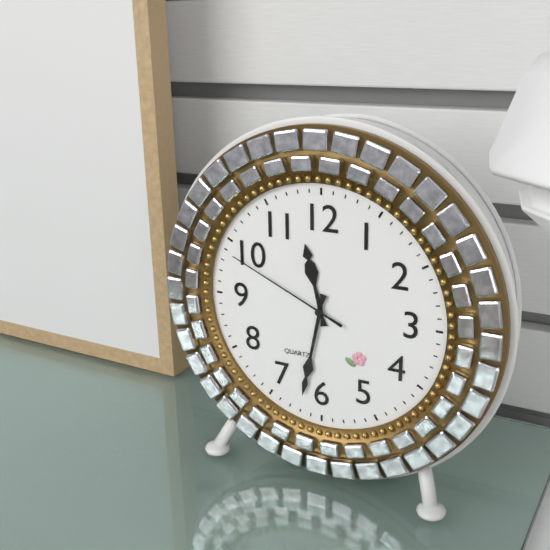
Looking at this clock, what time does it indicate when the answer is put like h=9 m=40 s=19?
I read h=11 m=32 s=49
